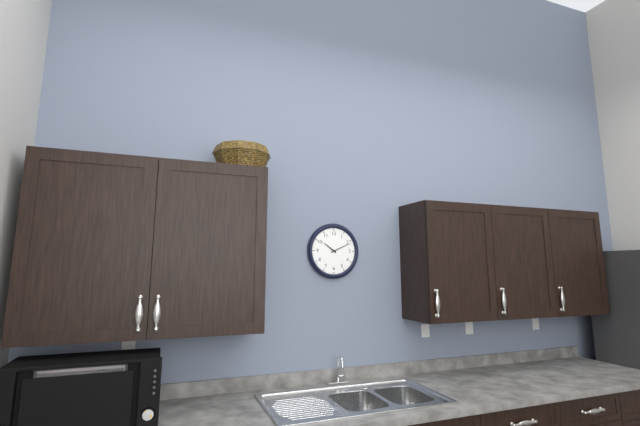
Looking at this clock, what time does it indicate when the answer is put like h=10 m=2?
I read h=10 m=11
